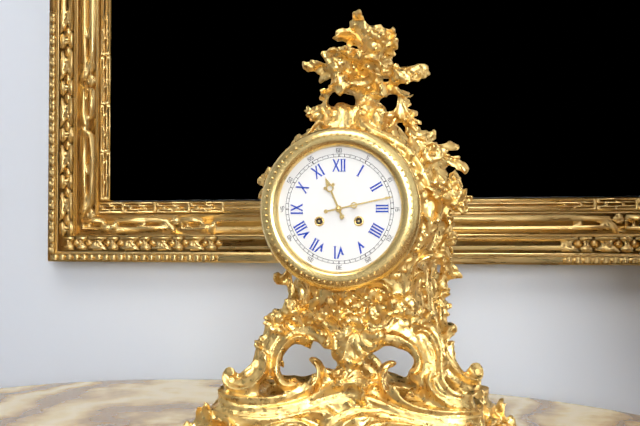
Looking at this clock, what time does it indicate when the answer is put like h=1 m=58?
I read h=11 m=13
